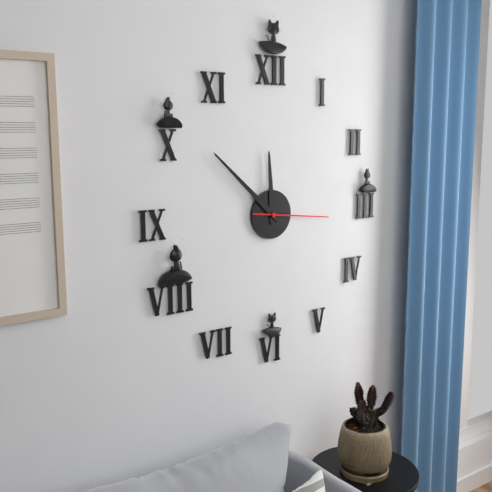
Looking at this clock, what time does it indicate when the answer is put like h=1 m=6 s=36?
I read h=11 m=52 s=16
